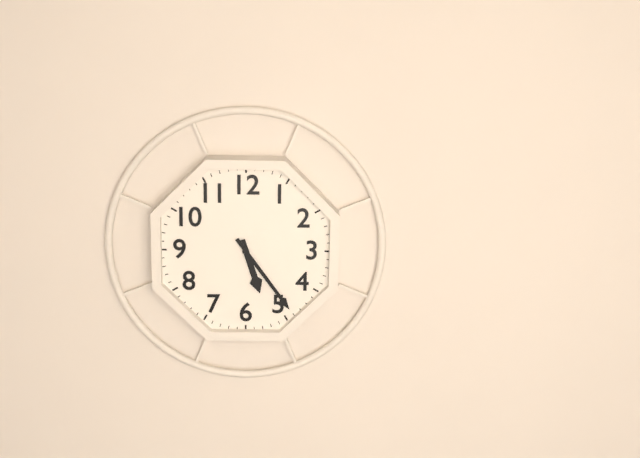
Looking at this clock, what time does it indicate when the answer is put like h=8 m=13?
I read h=5 m=24
